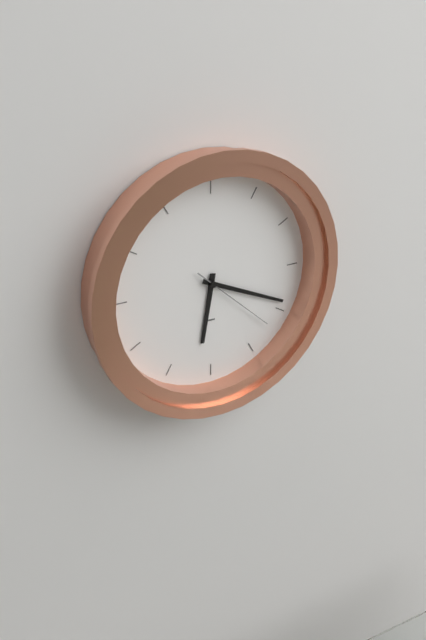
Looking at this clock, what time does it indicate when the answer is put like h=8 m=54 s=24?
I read h=6 m=19 s=22
